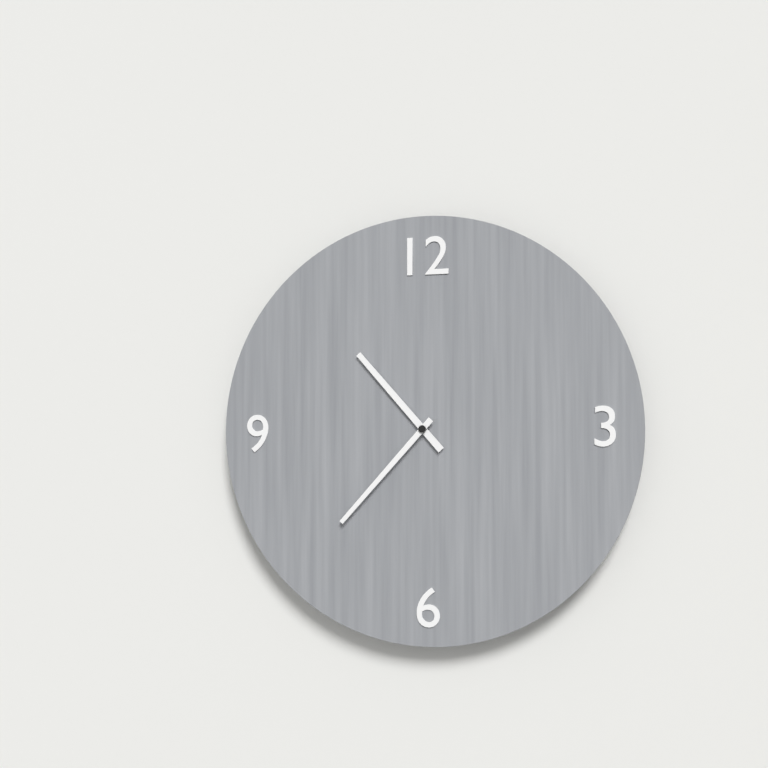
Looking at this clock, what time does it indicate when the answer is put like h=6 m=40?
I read h=10 m=37
